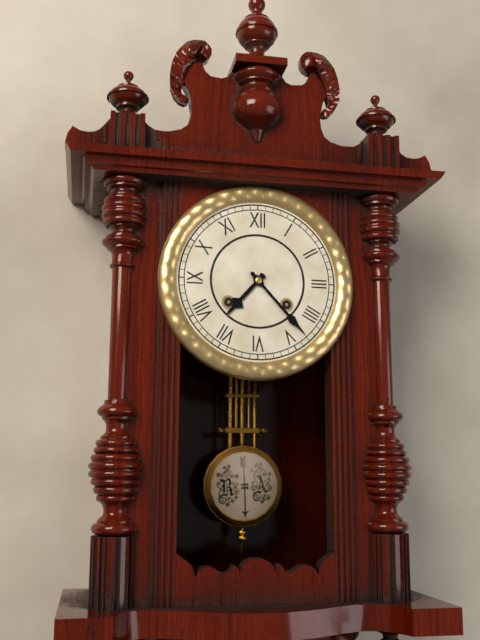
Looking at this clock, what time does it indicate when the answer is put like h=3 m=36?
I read h=7 m=23
